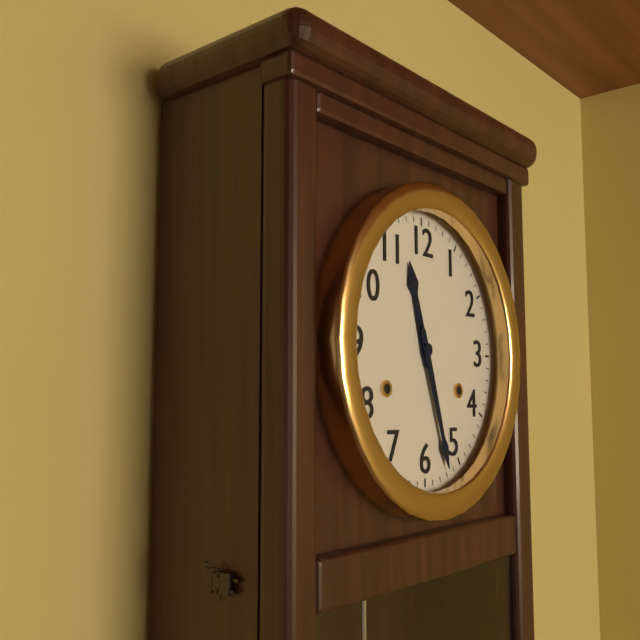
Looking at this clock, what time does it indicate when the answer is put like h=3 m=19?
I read h=11 m=27
